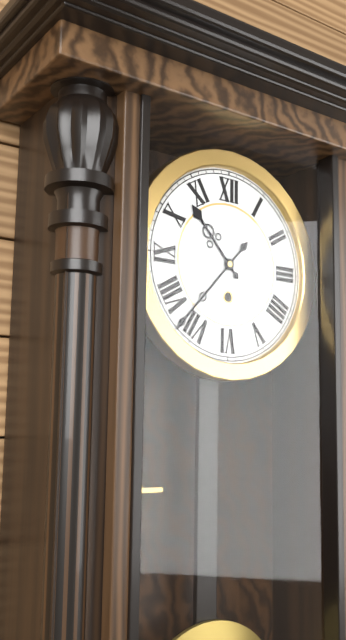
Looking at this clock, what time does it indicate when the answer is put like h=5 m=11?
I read h=10 m=37
